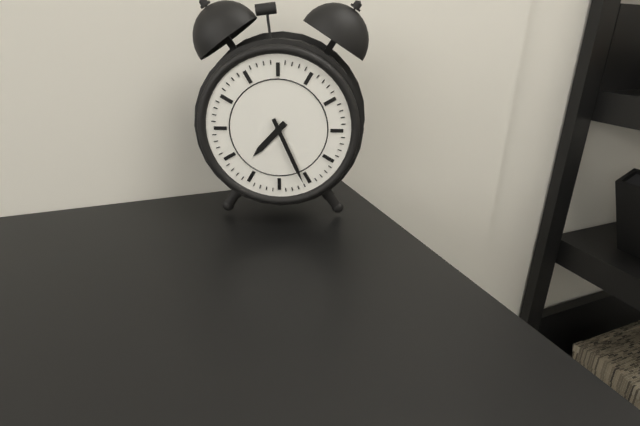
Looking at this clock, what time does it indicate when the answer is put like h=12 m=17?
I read h=7 m=26
